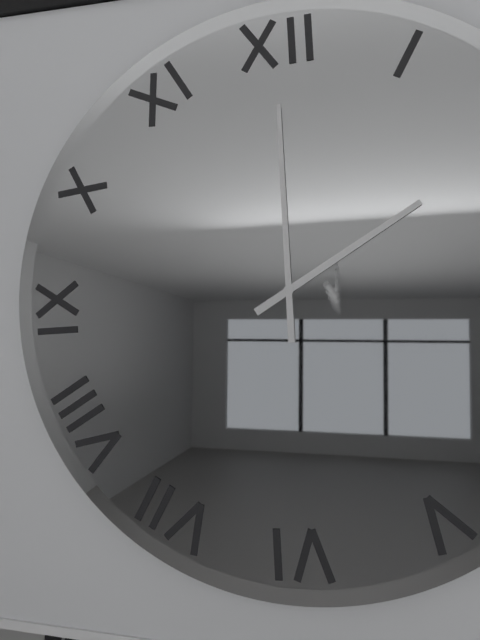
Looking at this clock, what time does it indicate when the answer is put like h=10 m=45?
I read h=2 m=0
